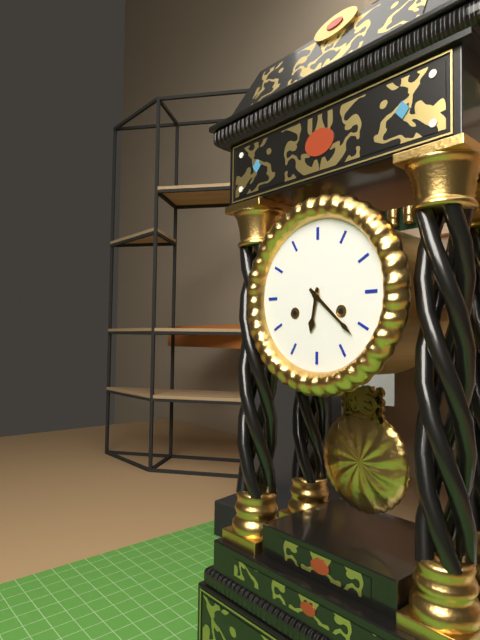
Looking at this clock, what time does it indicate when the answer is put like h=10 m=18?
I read h=6 m=22
